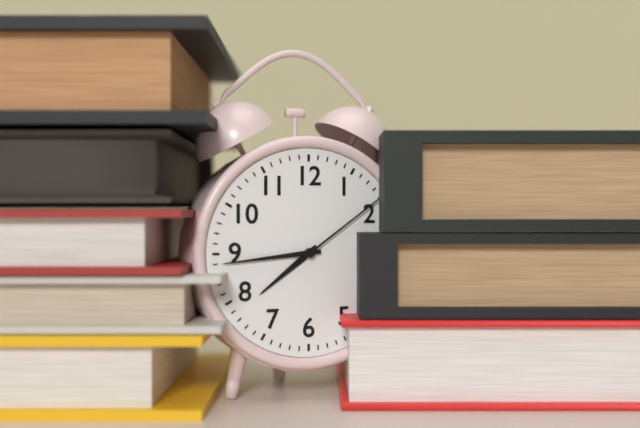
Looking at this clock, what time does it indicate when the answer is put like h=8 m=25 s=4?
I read h=7 m=44 s=9
